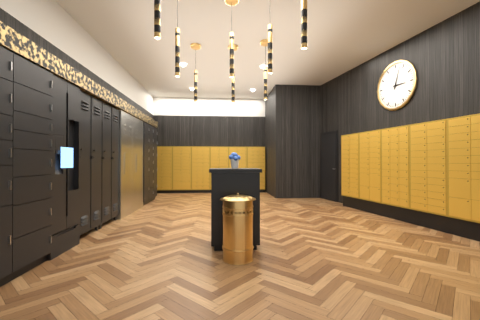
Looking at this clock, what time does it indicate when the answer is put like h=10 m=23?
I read h=3 m=3
